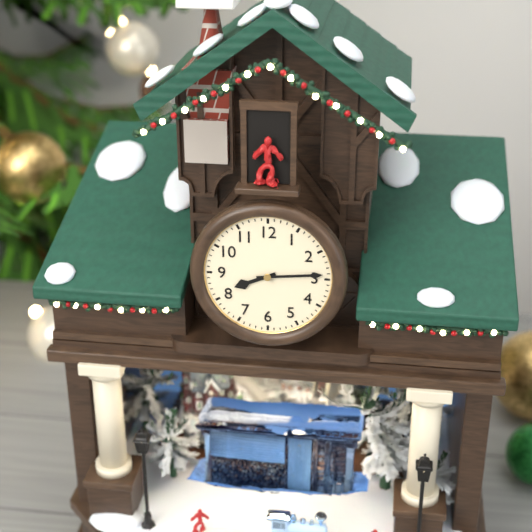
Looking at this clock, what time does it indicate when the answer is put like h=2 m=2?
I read h=8 m=14
